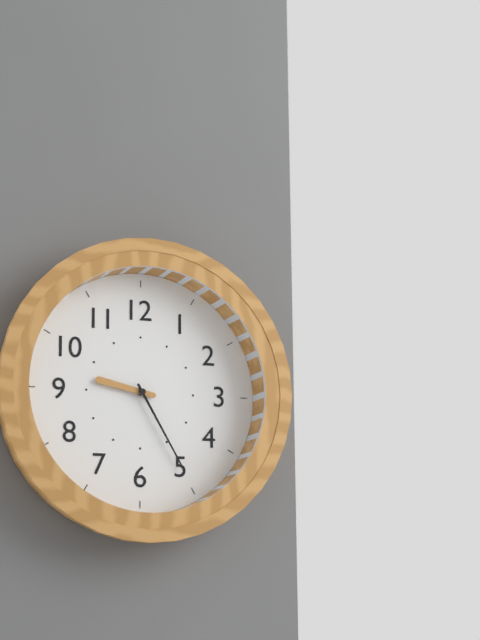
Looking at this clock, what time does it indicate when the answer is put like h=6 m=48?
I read h=9 m=25
